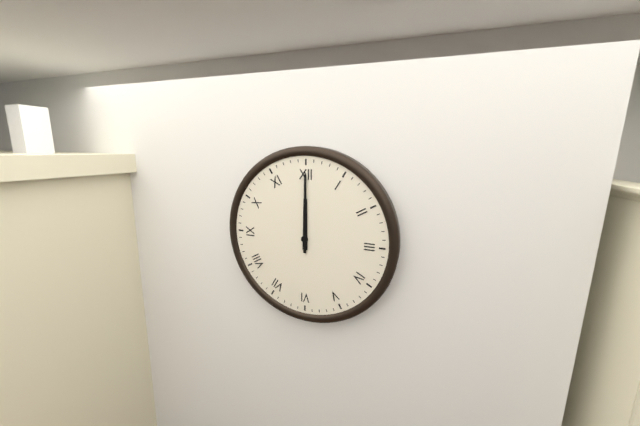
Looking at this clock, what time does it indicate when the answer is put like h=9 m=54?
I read h=12 m=0
